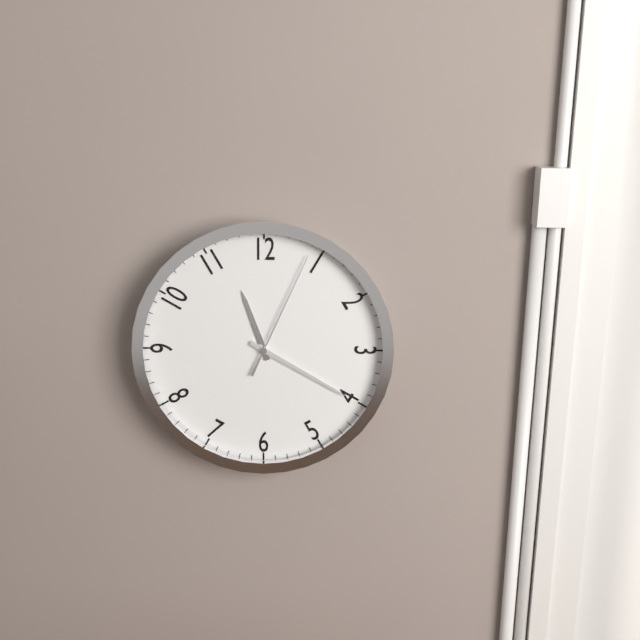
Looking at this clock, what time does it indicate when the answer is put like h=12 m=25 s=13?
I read h=11 m=20 s=4
